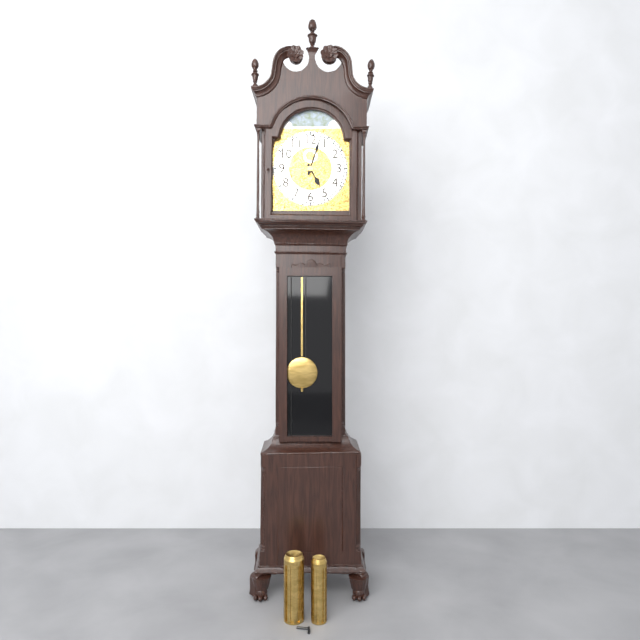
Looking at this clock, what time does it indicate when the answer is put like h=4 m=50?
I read h=5 m=3
